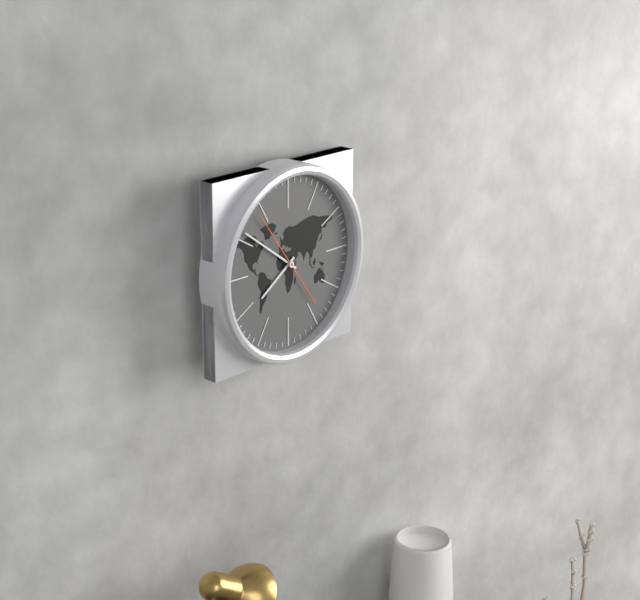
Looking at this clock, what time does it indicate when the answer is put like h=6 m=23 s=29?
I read h=7 m=51 s=54
